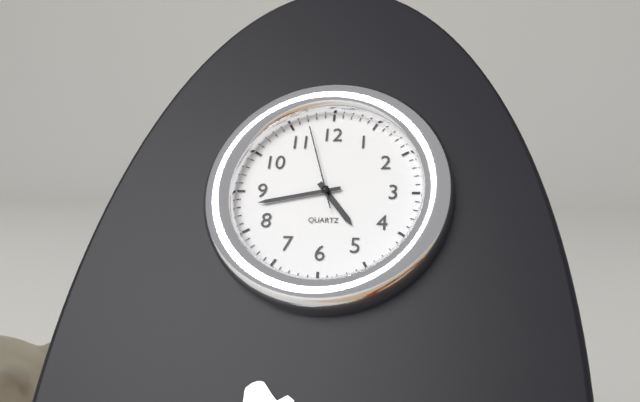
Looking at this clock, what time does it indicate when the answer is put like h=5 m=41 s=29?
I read h=4 m=43 s=57
